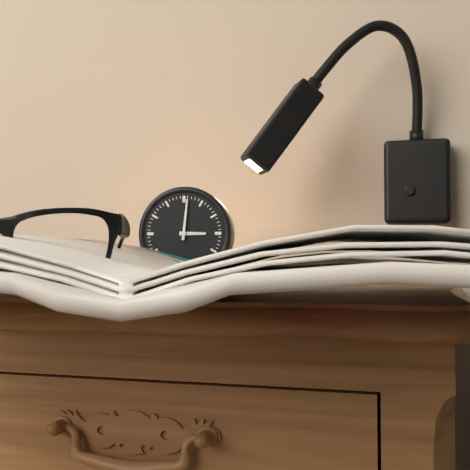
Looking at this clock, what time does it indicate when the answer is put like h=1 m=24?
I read h=3 m=1
